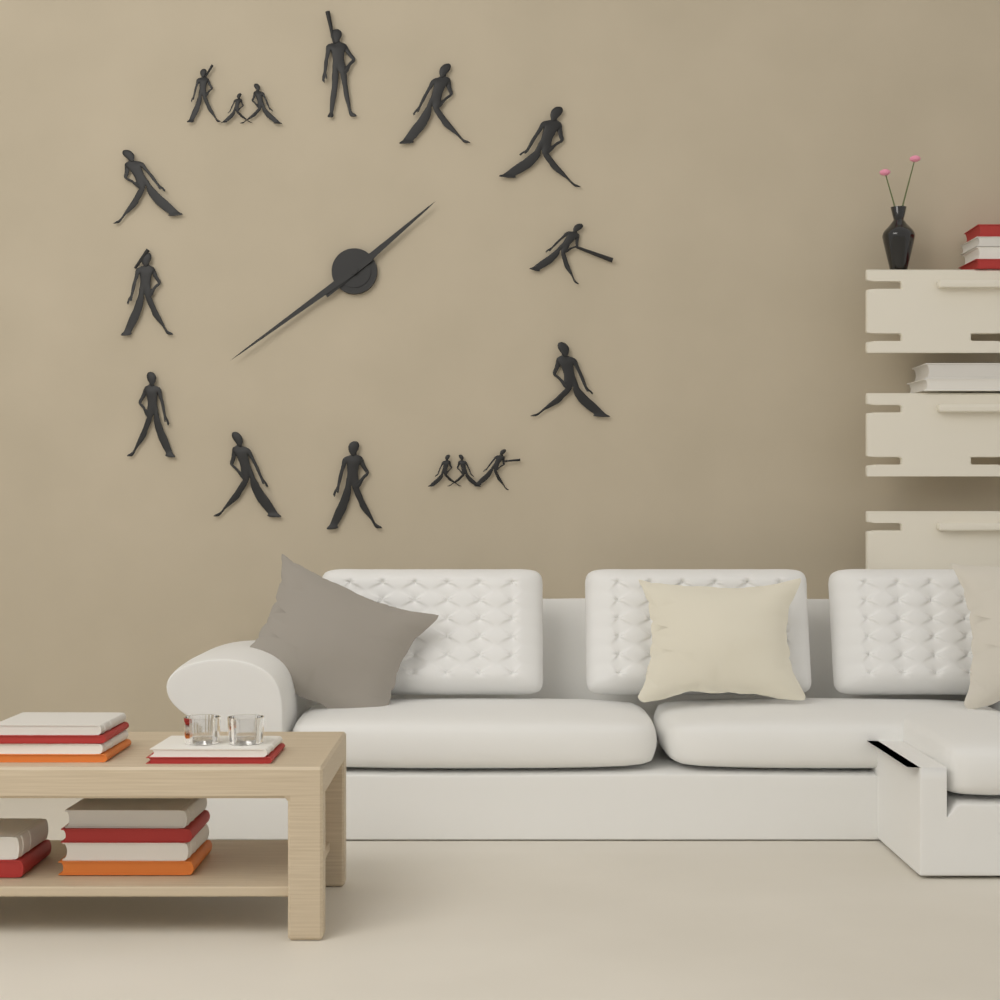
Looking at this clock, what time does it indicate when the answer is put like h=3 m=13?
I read h=1 m=39
